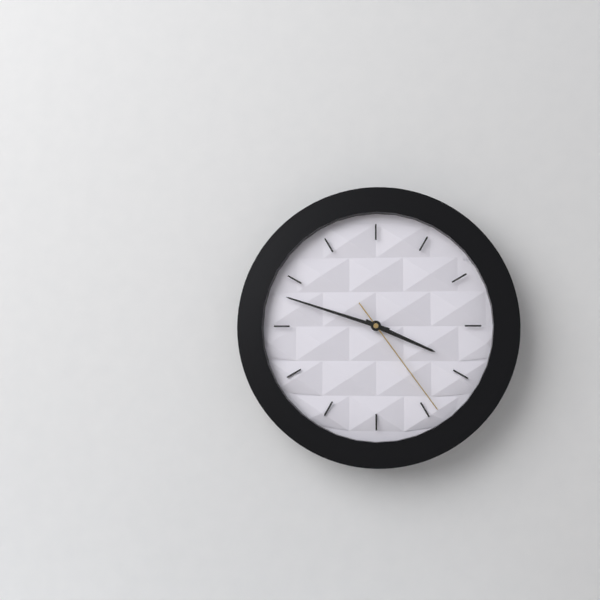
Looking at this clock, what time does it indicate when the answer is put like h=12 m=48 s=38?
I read h=3 m=48 s=24
